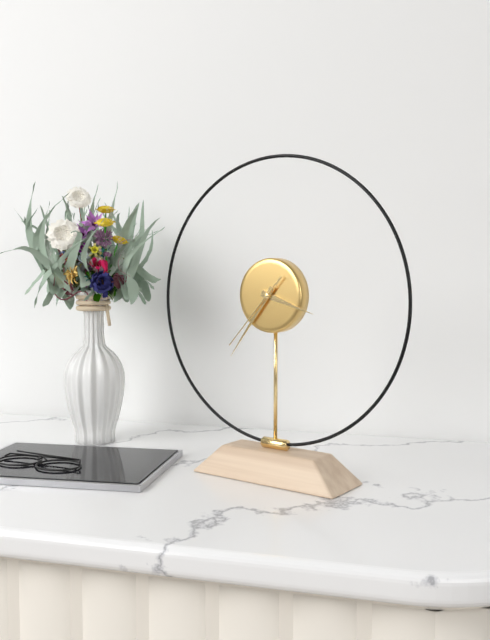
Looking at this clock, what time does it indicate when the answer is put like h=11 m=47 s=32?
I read h=3 m=36 s=37
